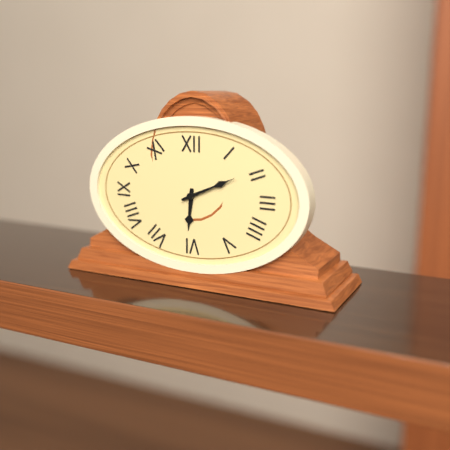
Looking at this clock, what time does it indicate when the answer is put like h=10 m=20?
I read h=6 m=11
